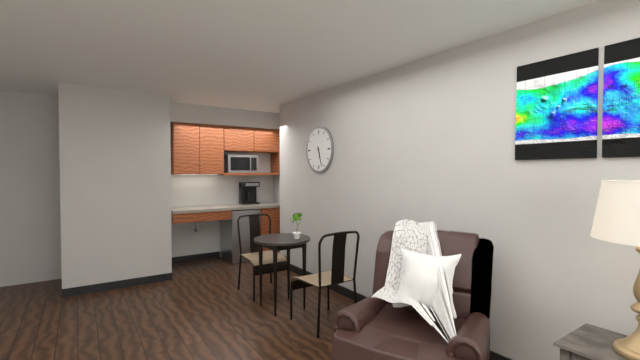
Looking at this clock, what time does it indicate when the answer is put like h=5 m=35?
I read h=5 m=27
